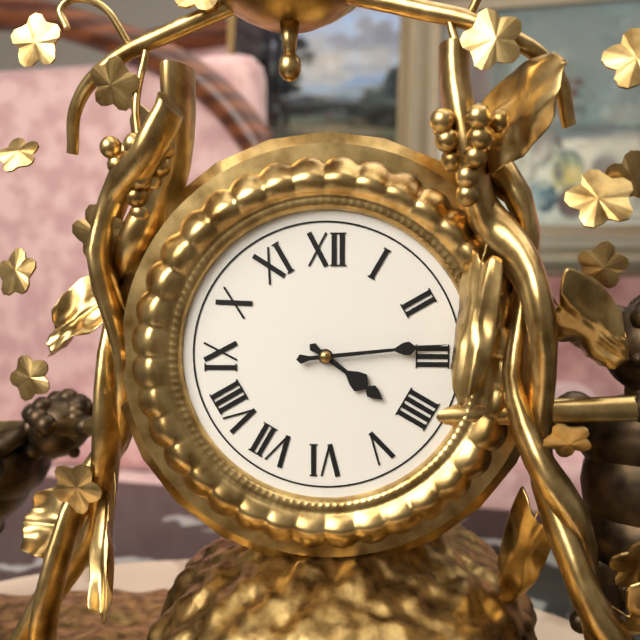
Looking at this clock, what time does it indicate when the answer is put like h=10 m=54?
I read h=4 m=14
